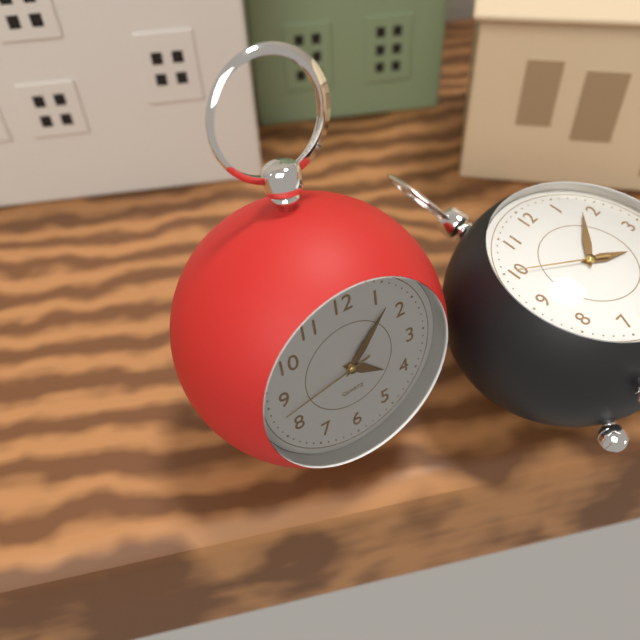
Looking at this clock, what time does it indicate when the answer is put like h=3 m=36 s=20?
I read h=4 m=7 s=43
